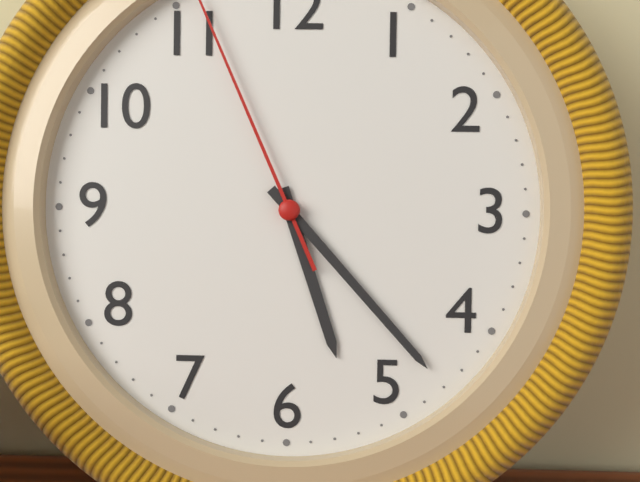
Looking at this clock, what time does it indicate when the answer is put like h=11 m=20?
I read h=5 m=23
